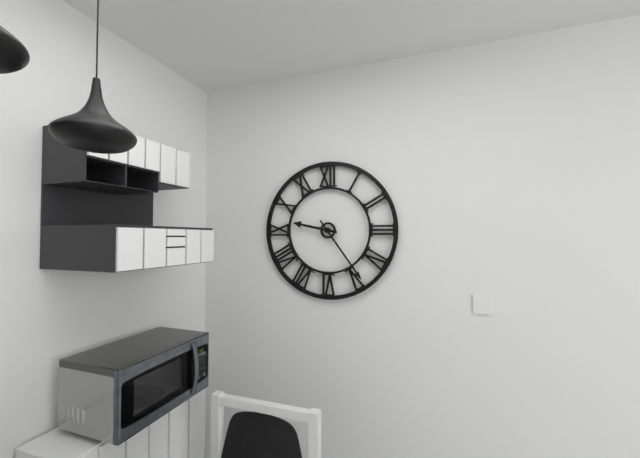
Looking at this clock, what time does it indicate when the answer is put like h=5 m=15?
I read h=9 m=24
